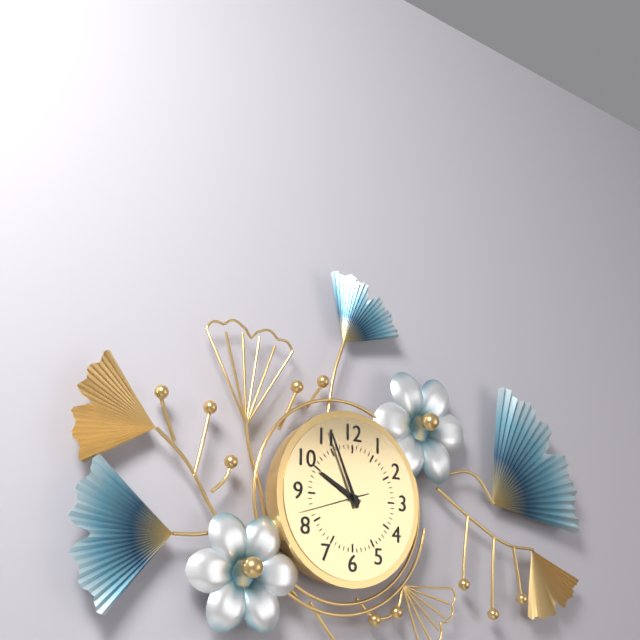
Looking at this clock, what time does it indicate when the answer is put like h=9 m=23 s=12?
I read h=9 m=56 s=42
